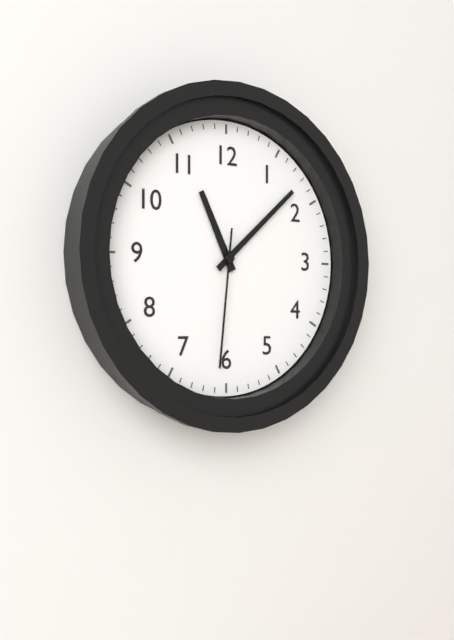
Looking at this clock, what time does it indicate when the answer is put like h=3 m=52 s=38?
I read h=11 m=8 s=31
